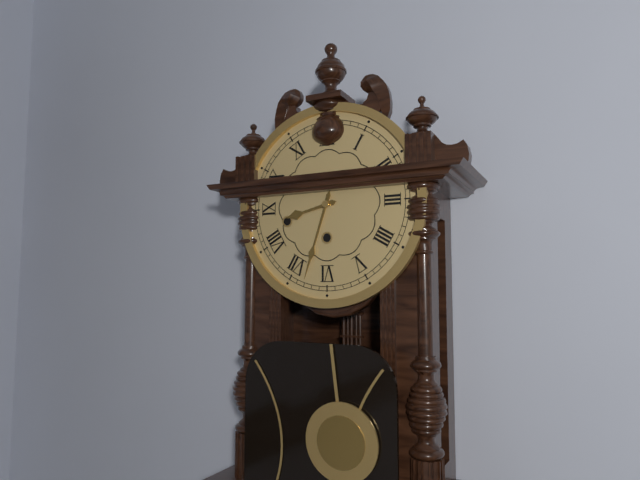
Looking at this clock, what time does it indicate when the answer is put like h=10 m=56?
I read h=8 m=33
